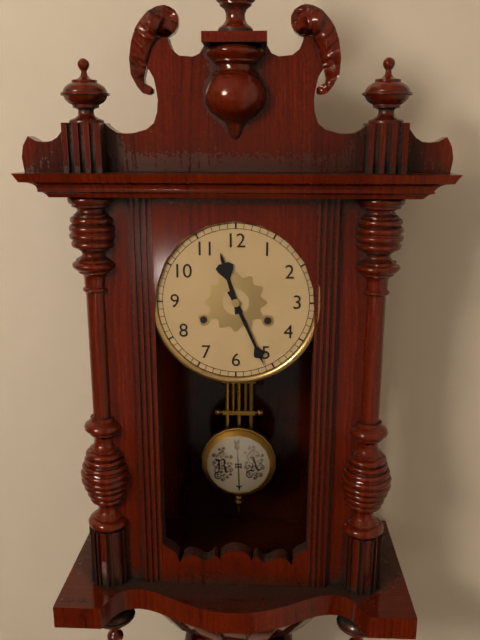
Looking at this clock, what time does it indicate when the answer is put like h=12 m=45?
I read h=11 m=26
